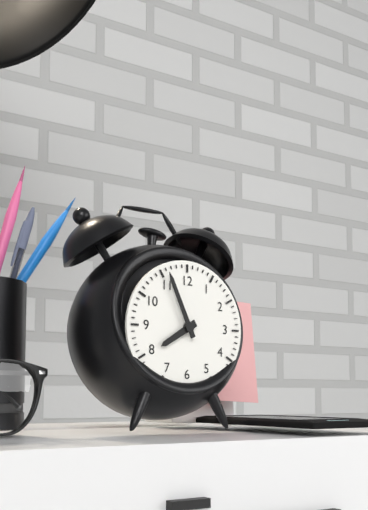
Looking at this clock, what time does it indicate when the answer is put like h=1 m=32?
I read h=7 m=56
